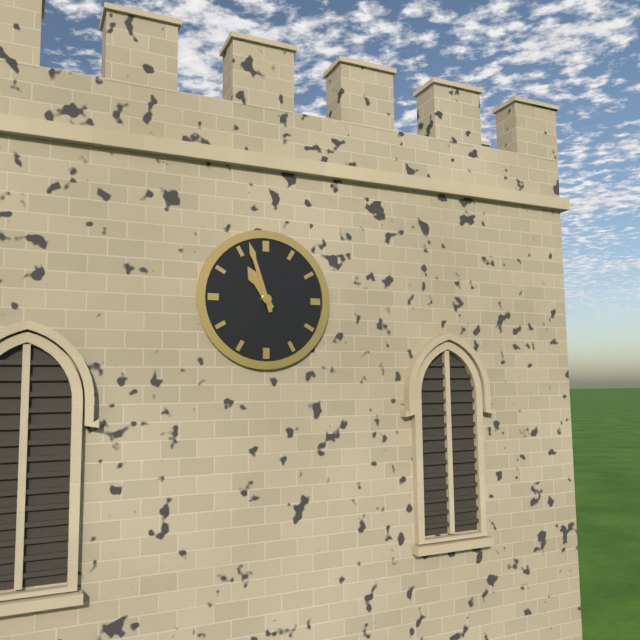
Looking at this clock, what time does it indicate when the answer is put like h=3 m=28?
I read h=10 m=57
